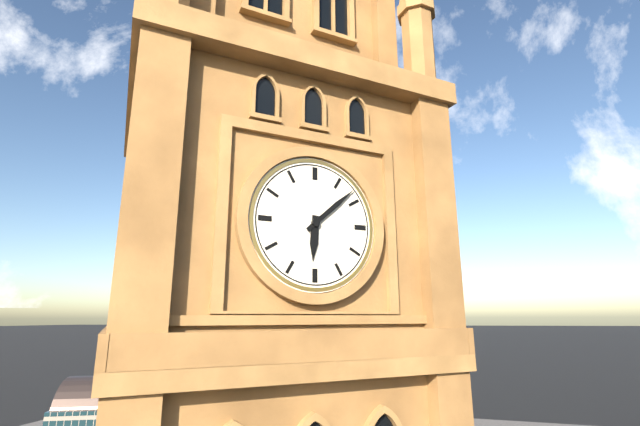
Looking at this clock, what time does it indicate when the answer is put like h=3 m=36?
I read h=6 m=8
